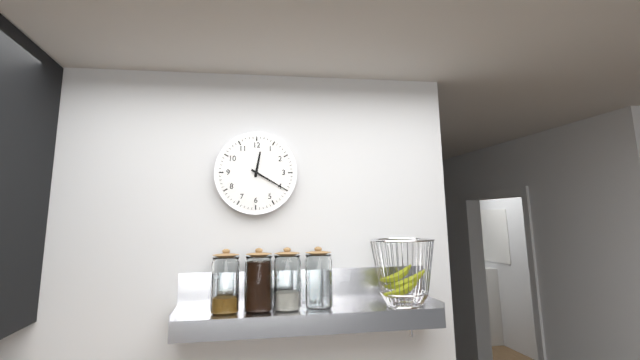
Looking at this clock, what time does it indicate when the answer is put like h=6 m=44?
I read h=12 m=20
